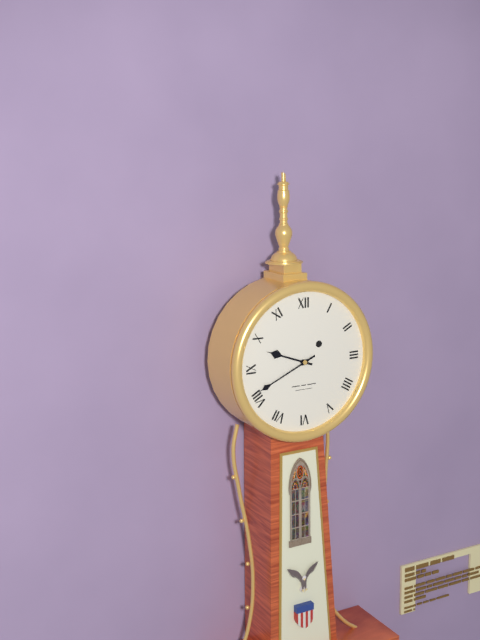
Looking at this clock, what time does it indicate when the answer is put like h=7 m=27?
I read h=9 m=41
